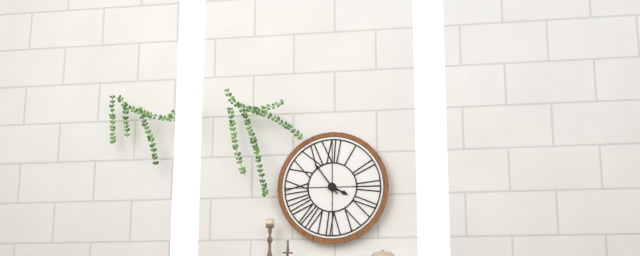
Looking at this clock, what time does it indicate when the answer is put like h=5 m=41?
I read h=3 m=54
